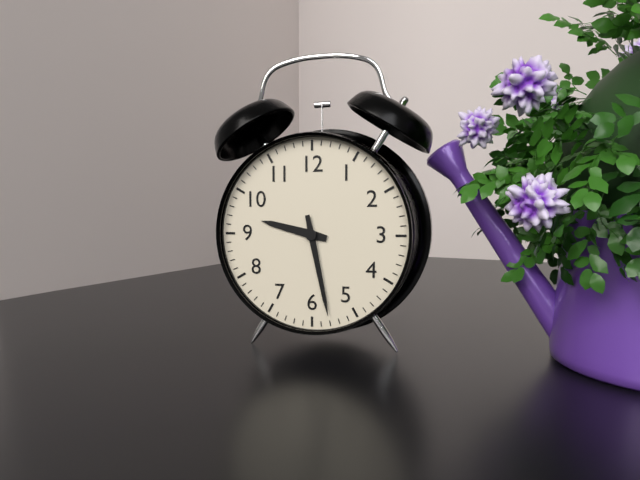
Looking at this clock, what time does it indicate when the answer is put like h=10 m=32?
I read h=9 m=28
